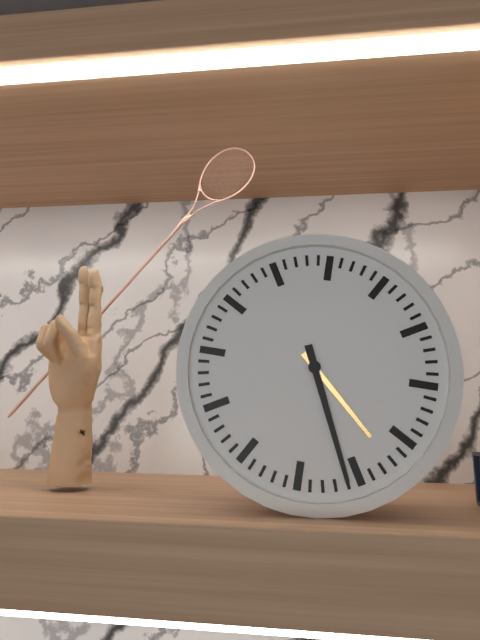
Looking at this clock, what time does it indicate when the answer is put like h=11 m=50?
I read h=4 m=26
